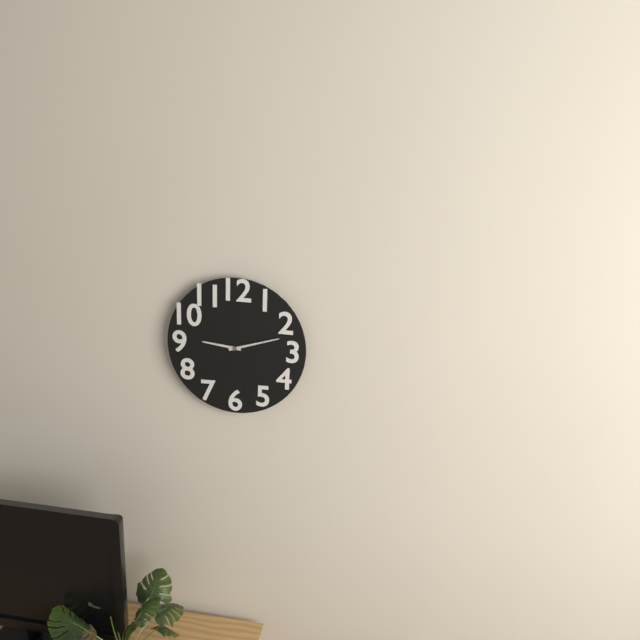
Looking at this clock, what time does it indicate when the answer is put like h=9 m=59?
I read h=9 m=12
